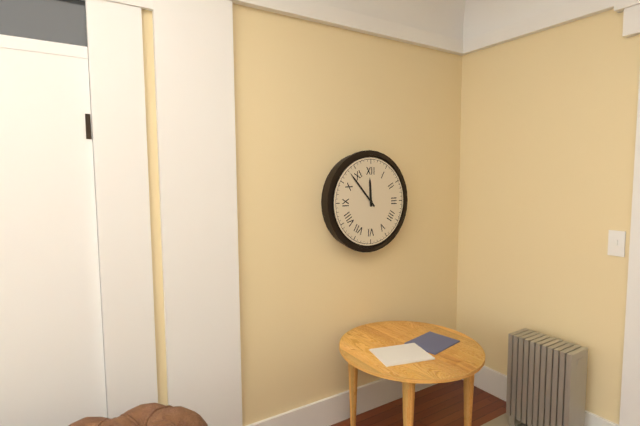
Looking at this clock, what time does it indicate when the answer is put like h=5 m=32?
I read h=11 m=53
